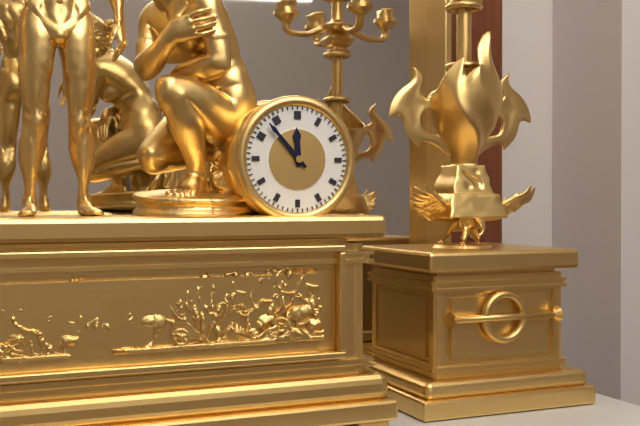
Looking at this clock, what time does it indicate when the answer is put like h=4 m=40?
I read h=11 m=53
